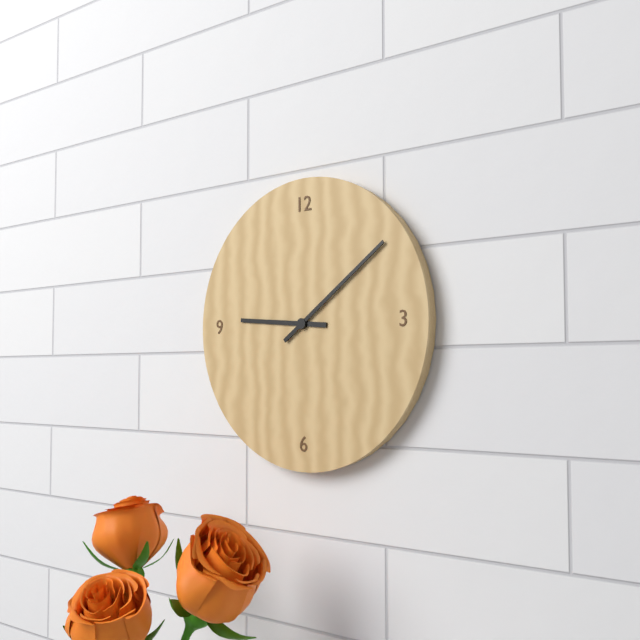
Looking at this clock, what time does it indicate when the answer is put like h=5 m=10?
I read h=9 m=9
